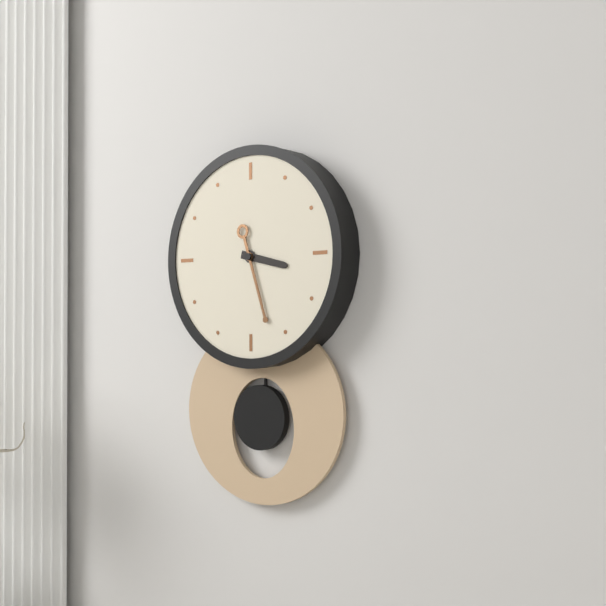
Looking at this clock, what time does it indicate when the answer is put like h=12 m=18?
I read h=3 m=27
